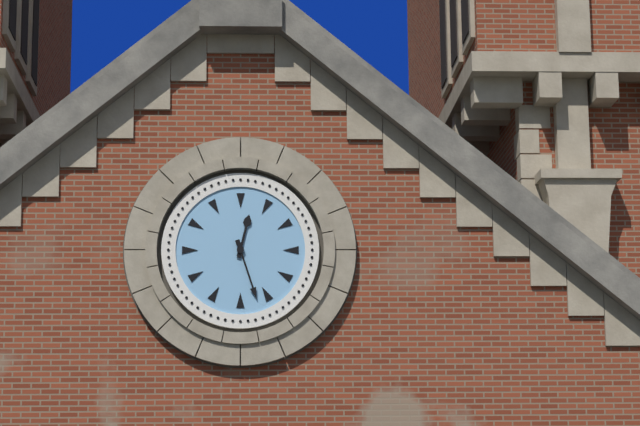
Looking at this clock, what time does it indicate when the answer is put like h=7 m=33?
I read h=12 m=27
